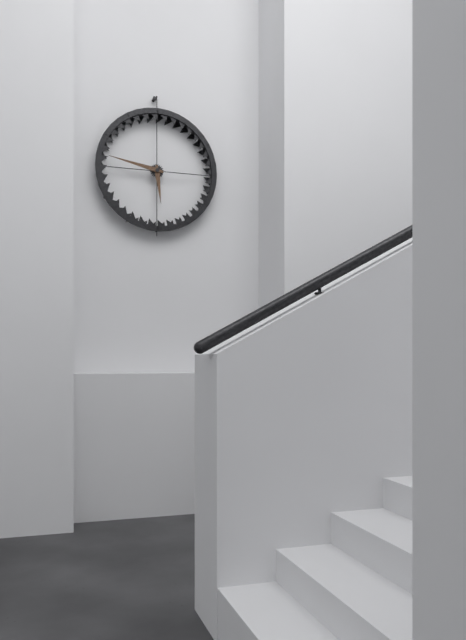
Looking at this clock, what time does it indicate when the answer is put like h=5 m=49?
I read h=5 m=47
